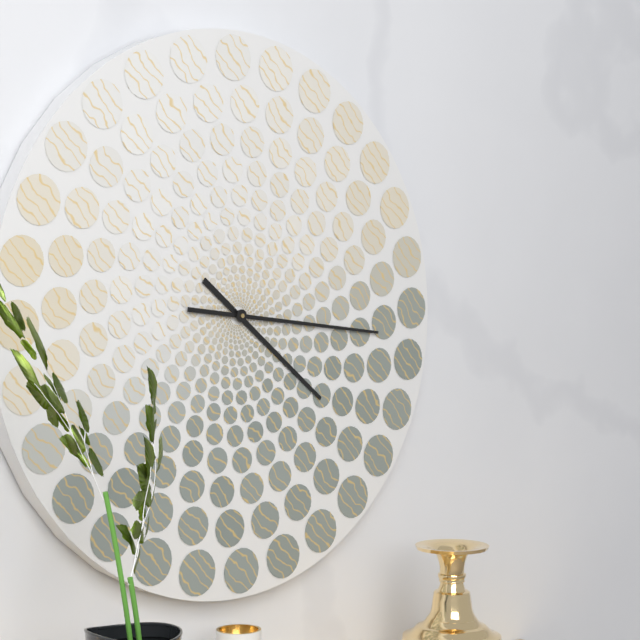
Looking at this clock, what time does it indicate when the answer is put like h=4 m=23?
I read h=4 m=16
